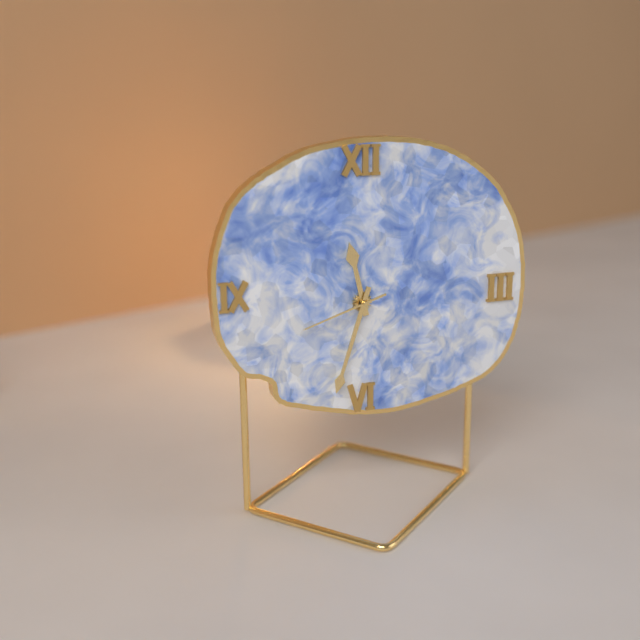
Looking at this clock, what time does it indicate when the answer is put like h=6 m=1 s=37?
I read h=11 m=33 s=42
